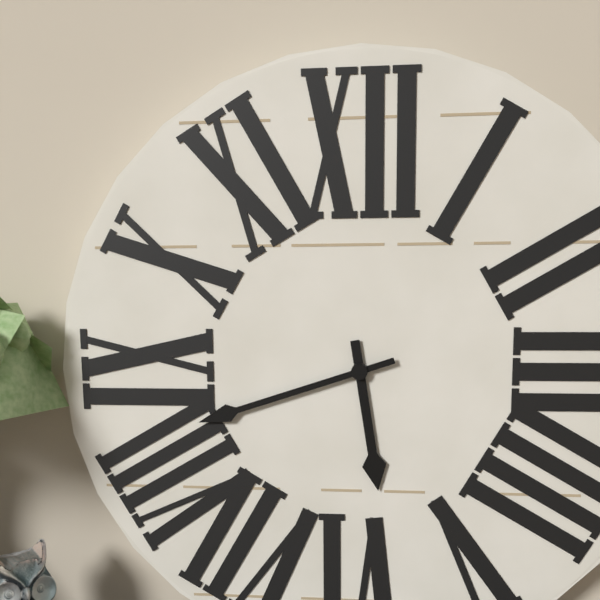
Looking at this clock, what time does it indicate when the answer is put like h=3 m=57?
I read h=5 m=42
